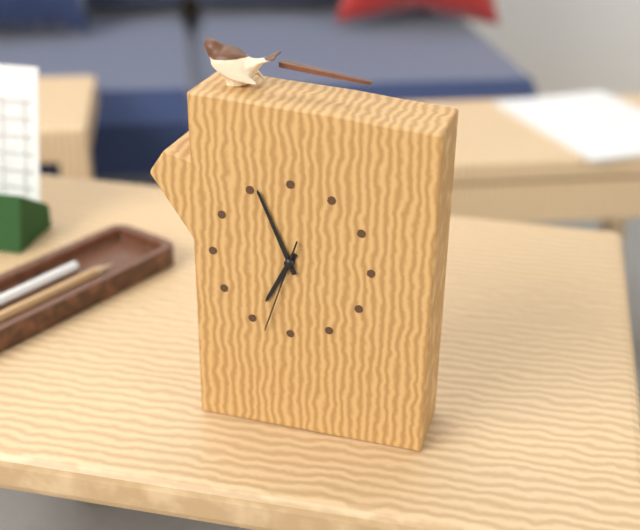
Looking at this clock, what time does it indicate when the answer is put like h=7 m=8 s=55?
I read h=6 m=56 s=33
